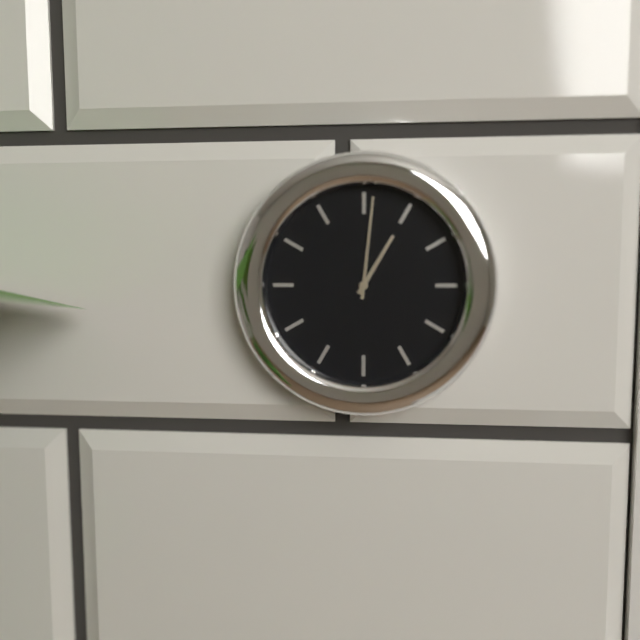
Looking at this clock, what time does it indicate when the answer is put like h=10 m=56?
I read h=1 m=1
